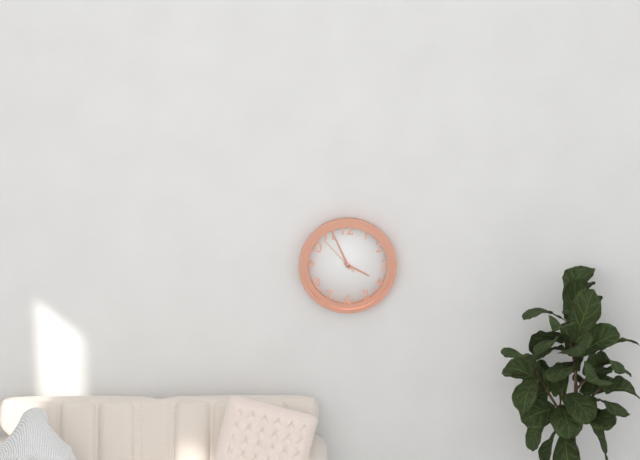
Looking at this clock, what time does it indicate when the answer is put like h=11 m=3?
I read h=3 m=56
